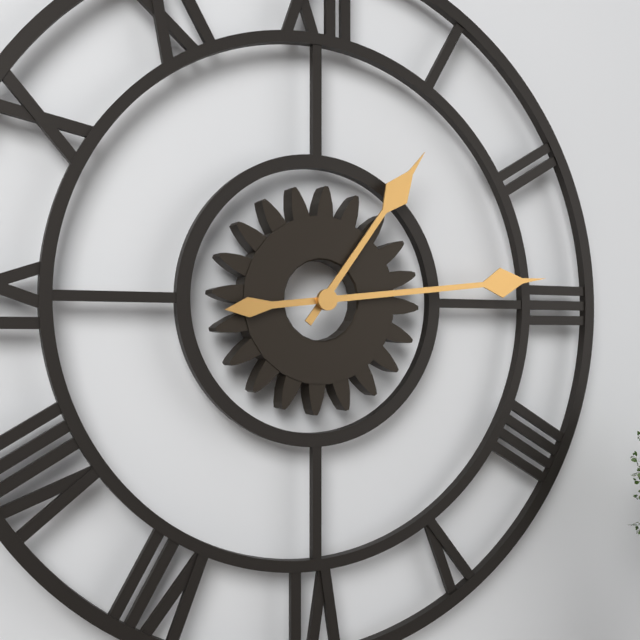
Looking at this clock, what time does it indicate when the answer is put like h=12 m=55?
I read h=1 m=14
